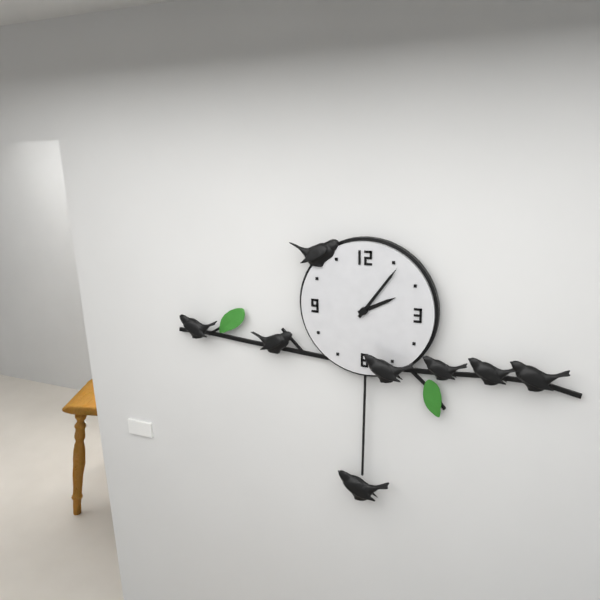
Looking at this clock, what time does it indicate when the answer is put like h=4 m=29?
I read h=2 m=6
